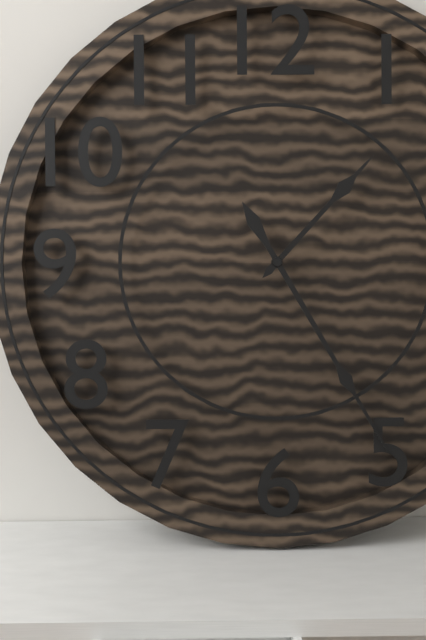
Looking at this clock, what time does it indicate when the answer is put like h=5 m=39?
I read h=1 m=25
